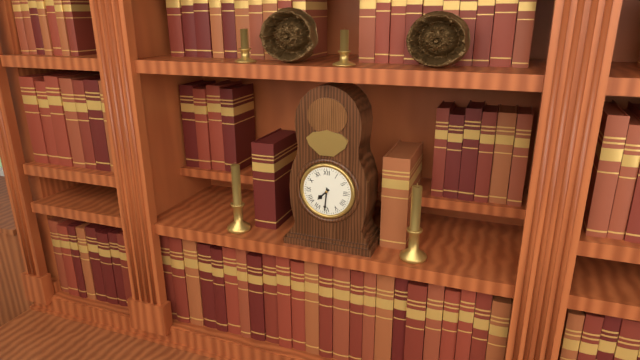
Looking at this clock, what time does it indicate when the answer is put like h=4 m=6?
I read h=7 m=31
